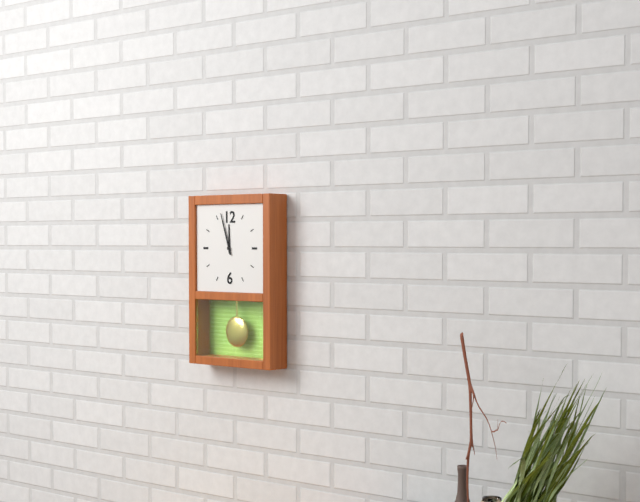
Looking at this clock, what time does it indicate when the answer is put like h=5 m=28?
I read h=11 m=57
